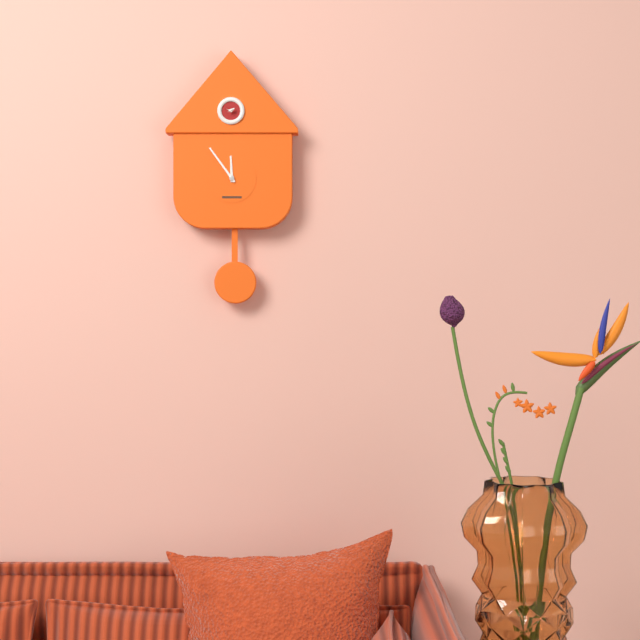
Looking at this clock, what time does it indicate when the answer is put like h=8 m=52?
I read h=11 m=54
